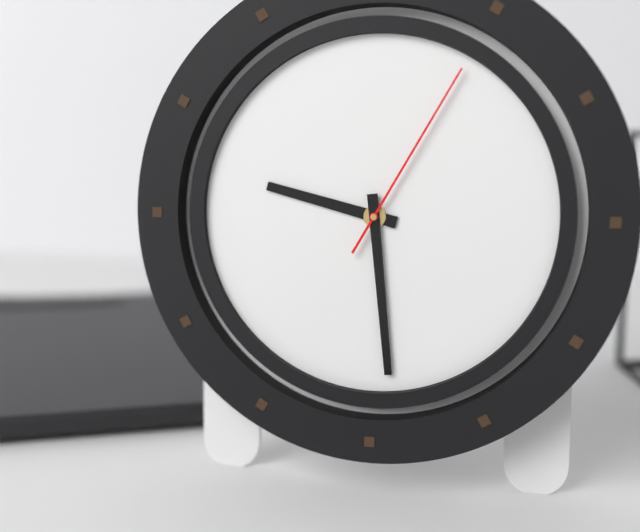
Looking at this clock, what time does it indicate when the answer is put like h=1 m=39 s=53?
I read h=9 m=29 s=5
